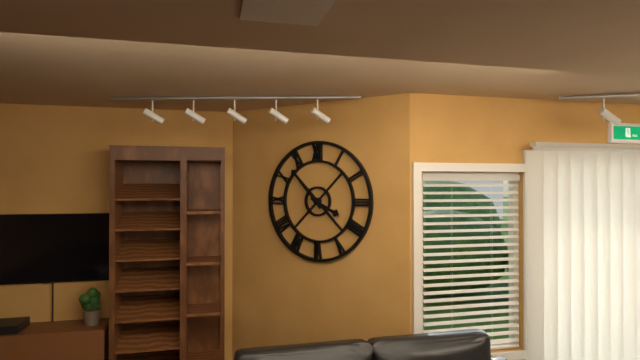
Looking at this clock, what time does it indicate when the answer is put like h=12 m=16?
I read h=3 m=53
